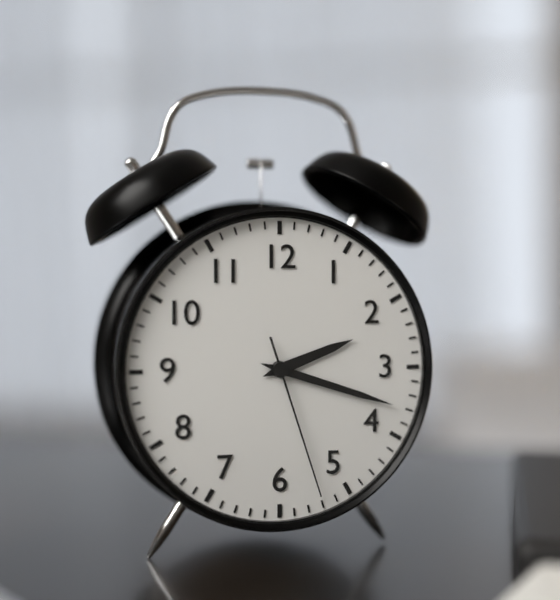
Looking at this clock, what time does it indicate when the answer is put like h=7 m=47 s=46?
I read h=2 m=18 s=27
